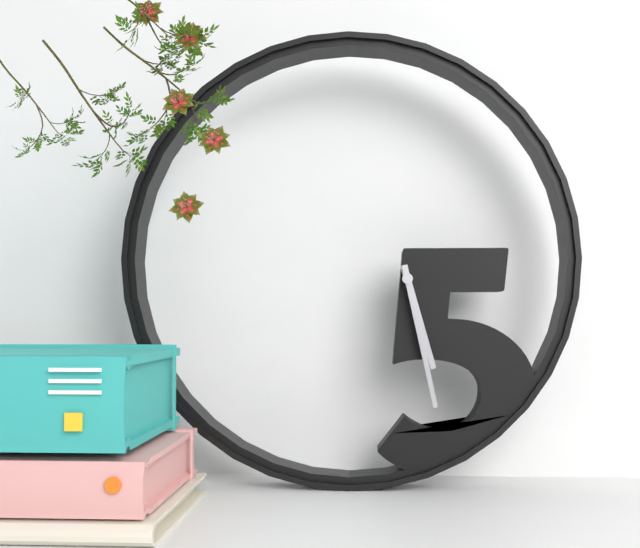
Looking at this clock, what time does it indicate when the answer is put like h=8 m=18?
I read h=5 m=28
